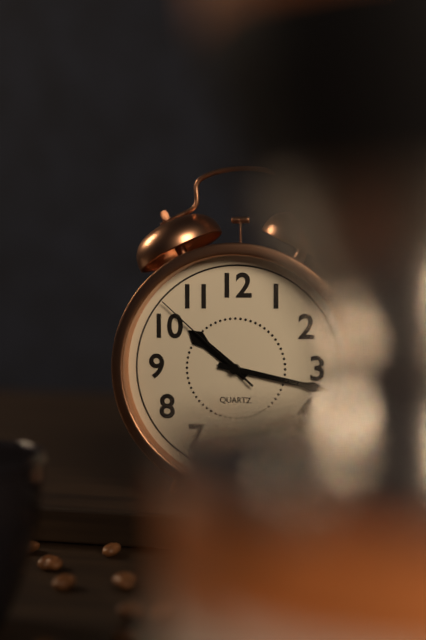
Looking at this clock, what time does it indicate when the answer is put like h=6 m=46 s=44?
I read h=10 m=17 s=52
